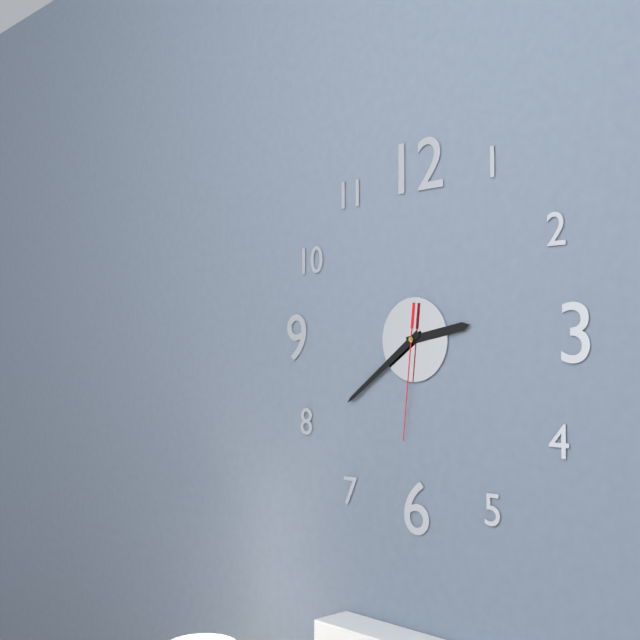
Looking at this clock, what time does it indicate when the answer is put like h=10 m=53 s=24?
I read h=2 m=39 s=31
